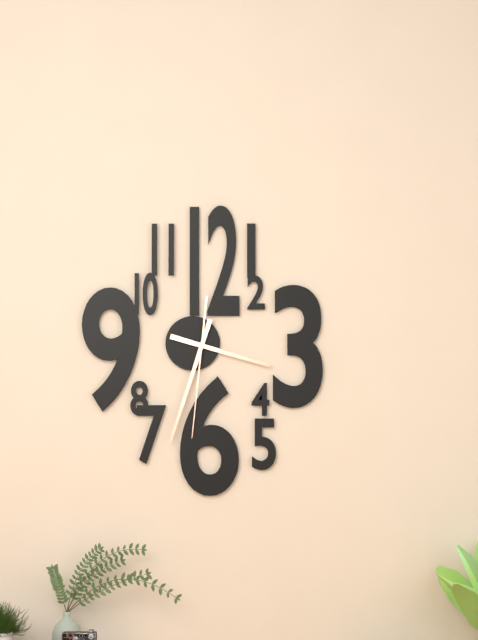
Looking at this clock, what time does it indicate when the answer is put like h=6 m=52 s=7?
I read h=3 m=33 s=31
